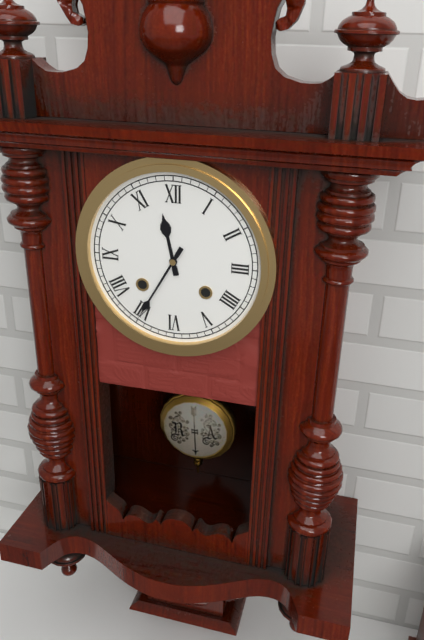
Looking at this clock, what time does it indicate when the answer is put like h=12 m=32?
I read h=11 m=35
